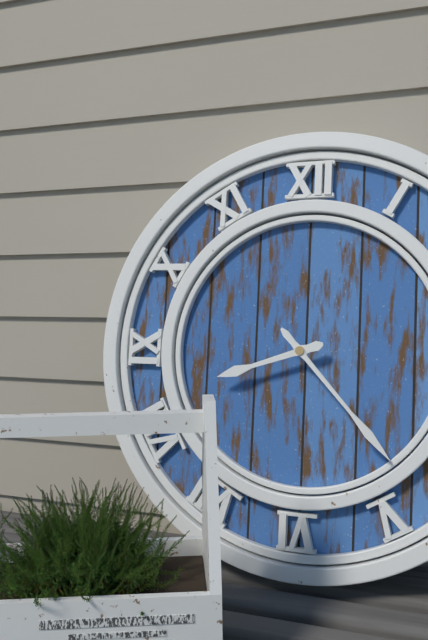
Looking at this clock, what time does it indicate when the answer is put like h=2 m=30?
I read h=8 m=23
